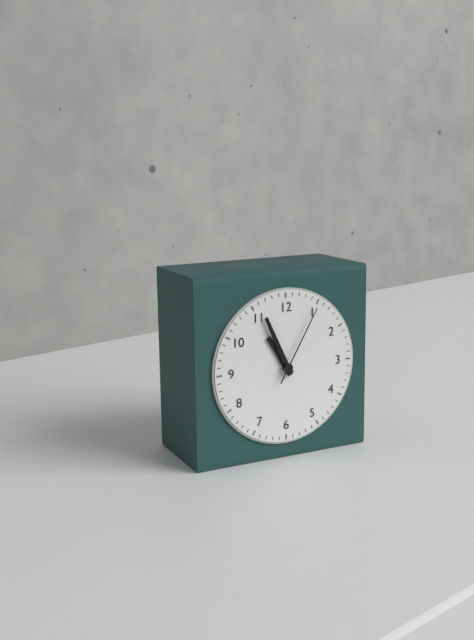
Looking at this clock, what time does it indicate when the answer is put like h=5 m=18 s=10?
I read h=10 m=56 s=5
